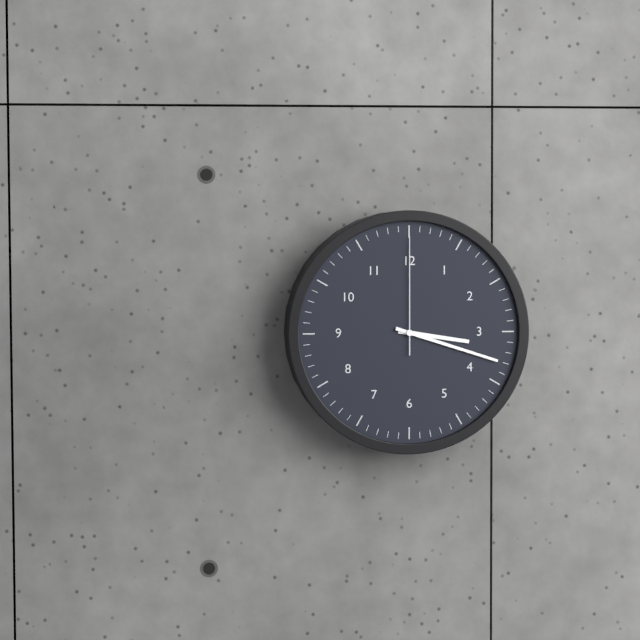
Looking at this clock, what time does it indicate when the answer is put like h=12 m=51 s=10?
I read h=3 m=18 s=0
